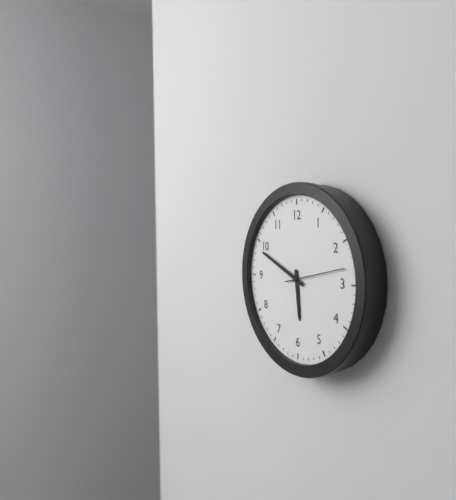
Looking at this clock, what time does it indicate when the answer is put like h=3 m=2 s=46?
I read h=5 m=49 s=13
